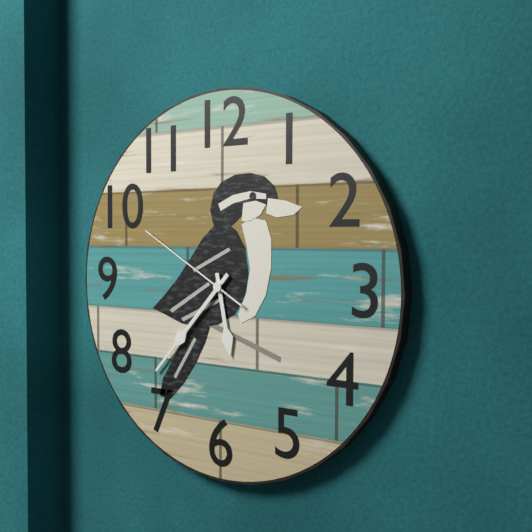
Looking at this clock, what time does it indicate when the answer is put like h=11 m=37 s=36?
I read h=5 m=37 s=50
